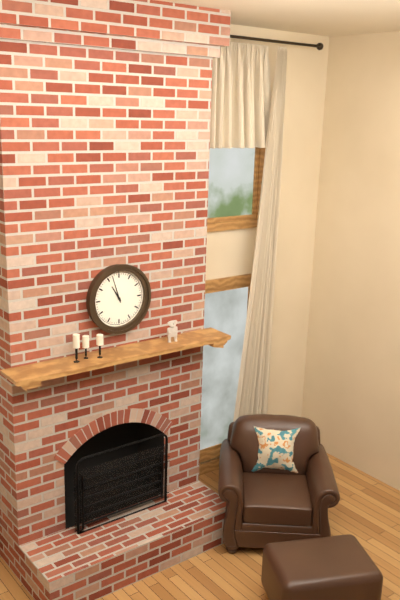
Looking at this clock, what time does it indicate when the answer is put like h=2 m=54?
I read h=10 m=57
